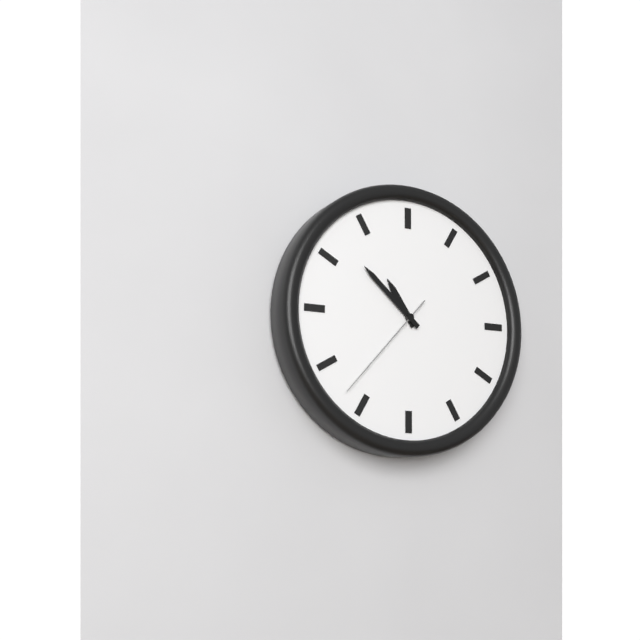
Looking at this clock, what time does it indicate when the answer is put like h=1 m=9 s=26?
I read h=10 m=52 s=37
